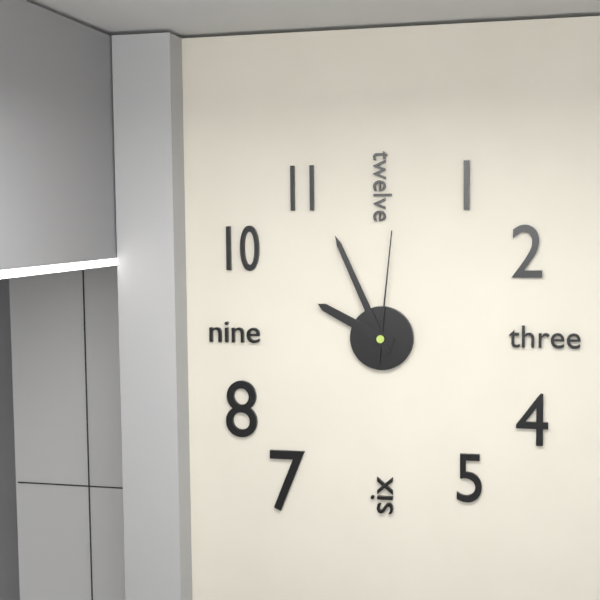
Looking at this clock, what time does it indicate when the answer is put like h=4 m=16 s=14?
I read h=9 m=56 s=1
